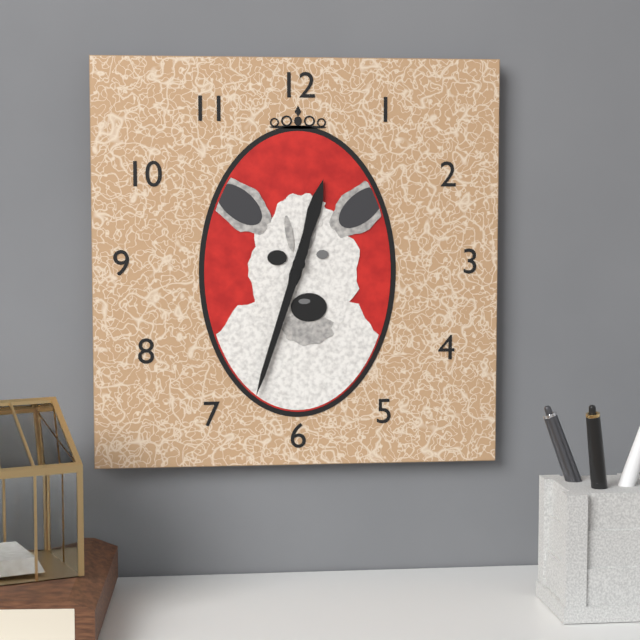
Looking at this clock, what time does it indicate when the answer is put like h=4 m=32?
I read h=12 m=33
